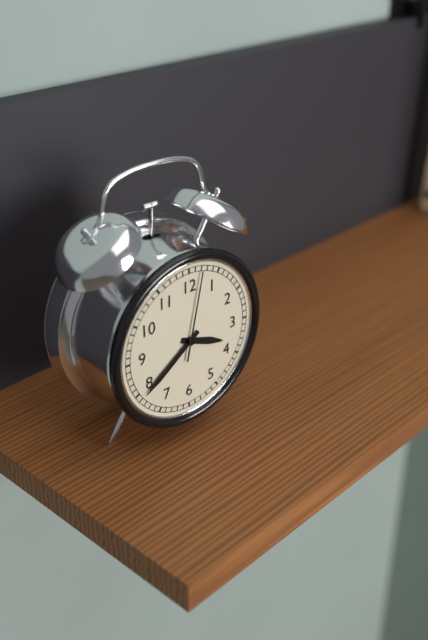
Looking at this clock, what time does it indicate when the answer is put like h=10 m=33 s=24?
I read h=3 m=39 s=2
